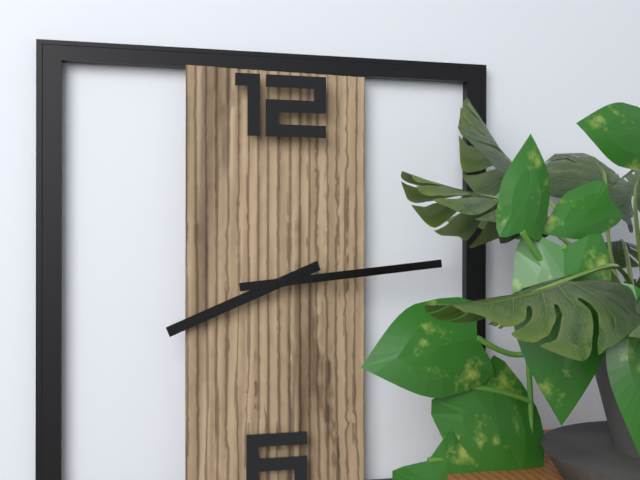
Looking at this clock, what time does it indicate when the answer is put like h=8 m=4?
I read h=8 m=14
